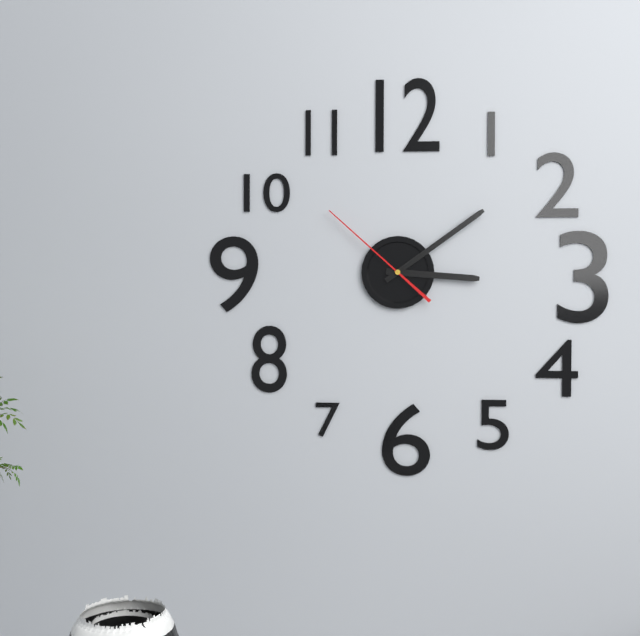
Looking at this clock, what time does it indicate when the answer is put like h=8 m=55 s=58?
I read h=3 m=9 s=52
